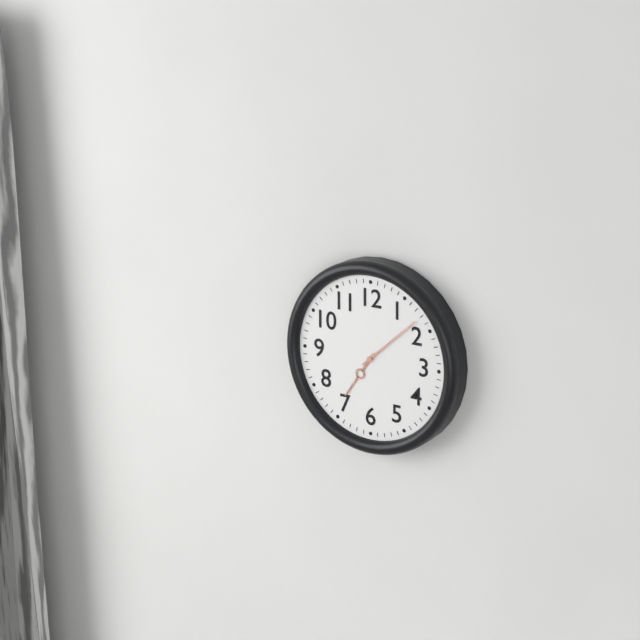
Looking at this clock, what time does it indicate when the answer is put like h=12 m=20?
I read h=7 m=8
